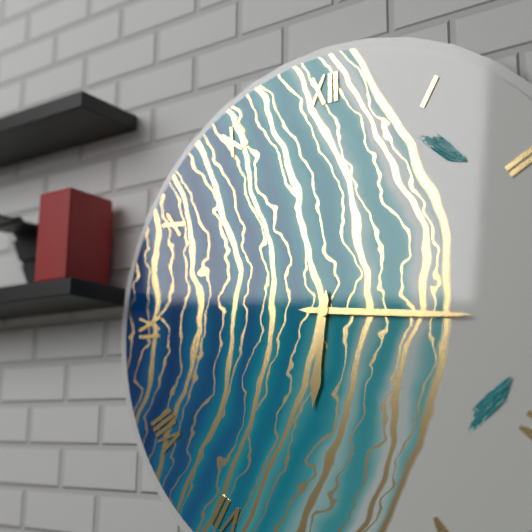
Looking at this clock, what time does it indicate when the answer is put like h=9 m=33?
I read h=6 m=16
